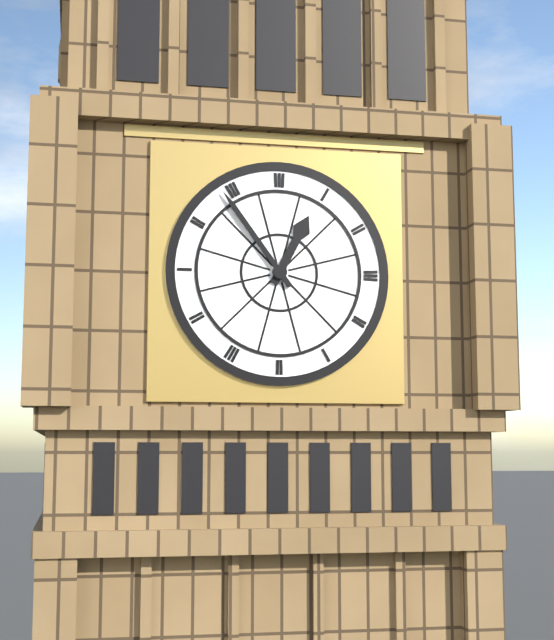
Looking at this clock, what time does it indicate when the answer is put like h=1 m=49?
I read h=12 m=54
